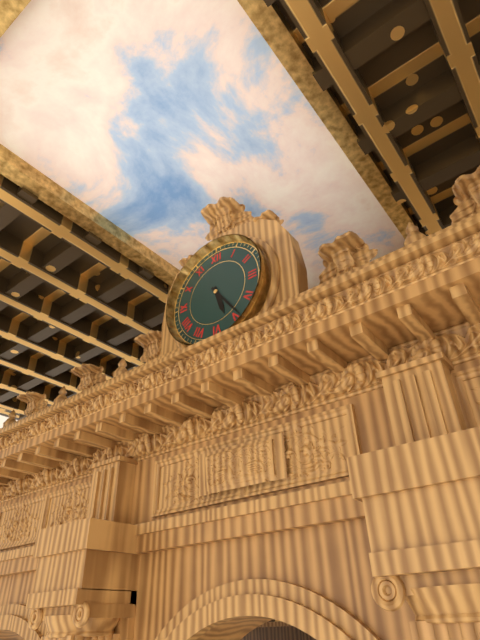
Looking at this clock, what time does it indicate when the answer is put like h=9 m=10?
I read h=5 m=24
